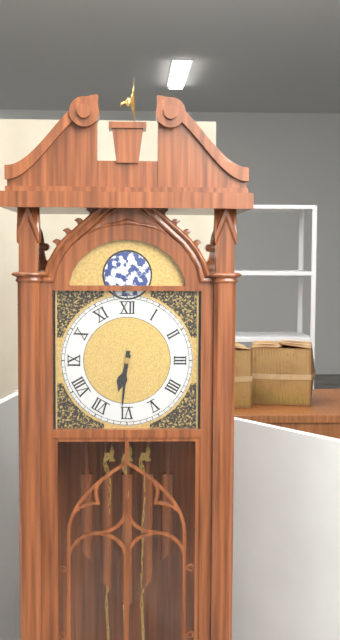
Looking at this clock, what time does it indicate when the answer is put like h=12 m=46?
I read h=6 m=31
